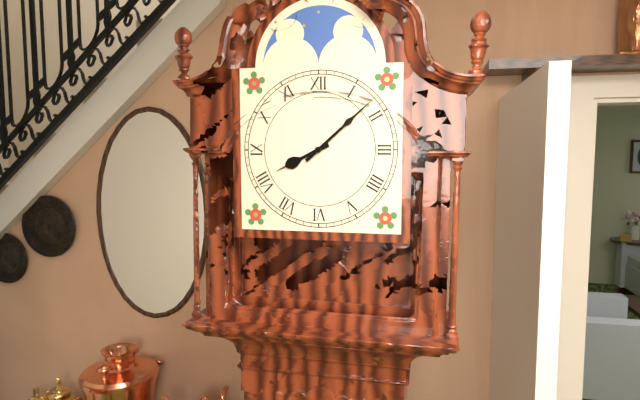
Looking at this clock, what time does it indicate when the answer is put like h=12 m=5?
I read h=8 m=8
